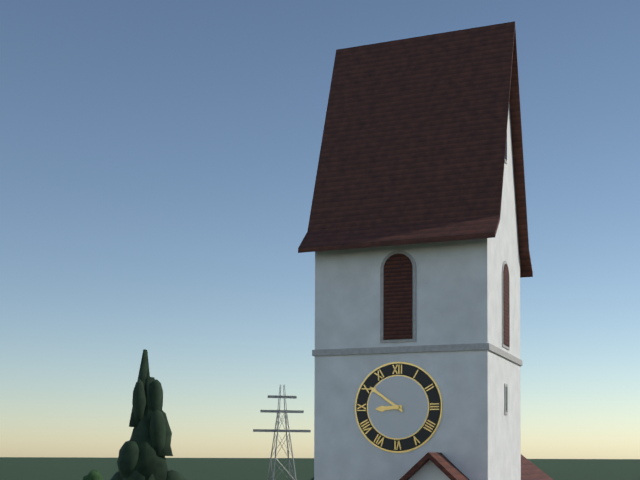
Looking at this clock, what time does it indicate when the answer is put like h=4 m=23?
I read h=8 m=51
